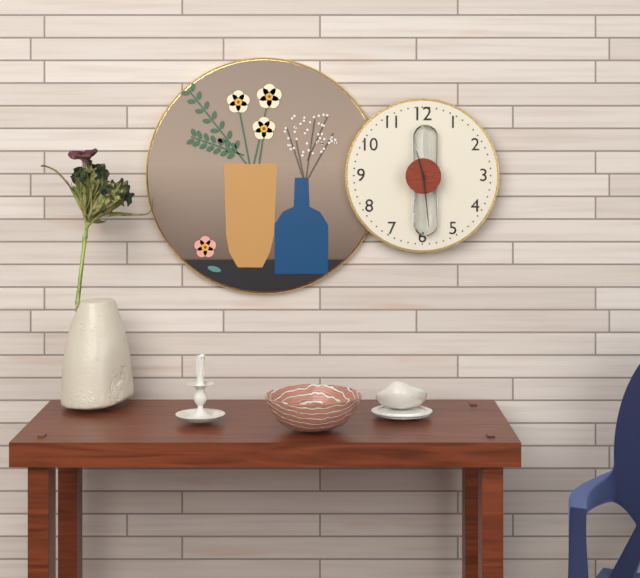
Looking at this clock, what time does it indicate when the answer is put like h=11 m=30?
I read h=11 m=29
